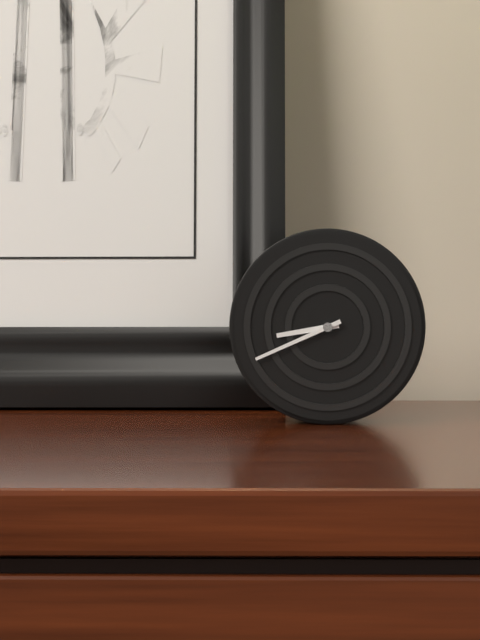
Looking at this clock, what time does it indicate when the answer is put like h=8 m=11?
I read h=8 m=41
